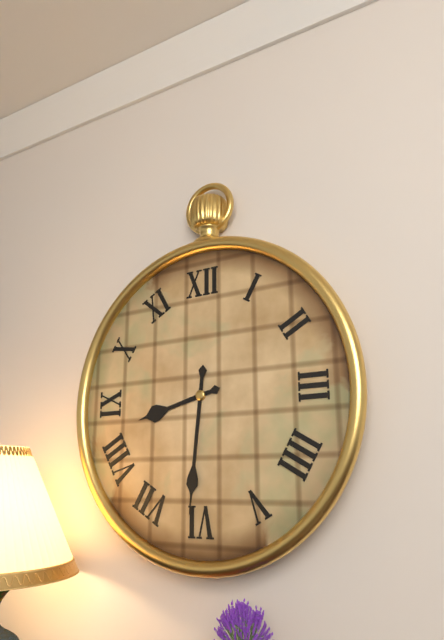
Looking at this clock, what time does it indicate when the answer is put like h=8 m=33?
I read h=8 m=31
